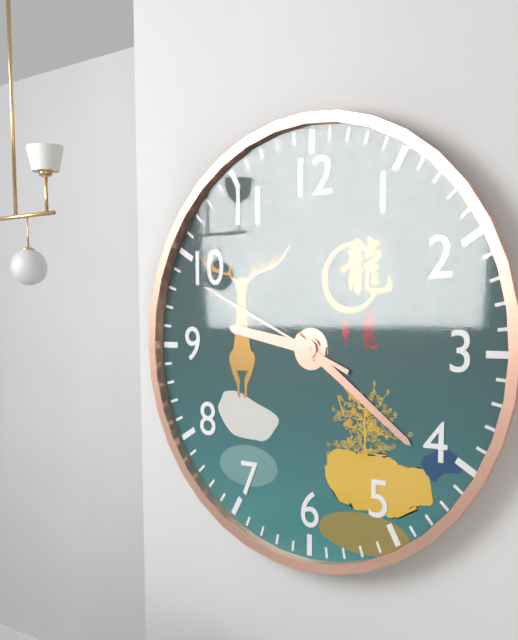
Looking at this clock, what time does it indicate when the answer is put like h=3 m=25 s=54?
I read h=9 m=21 s=49
